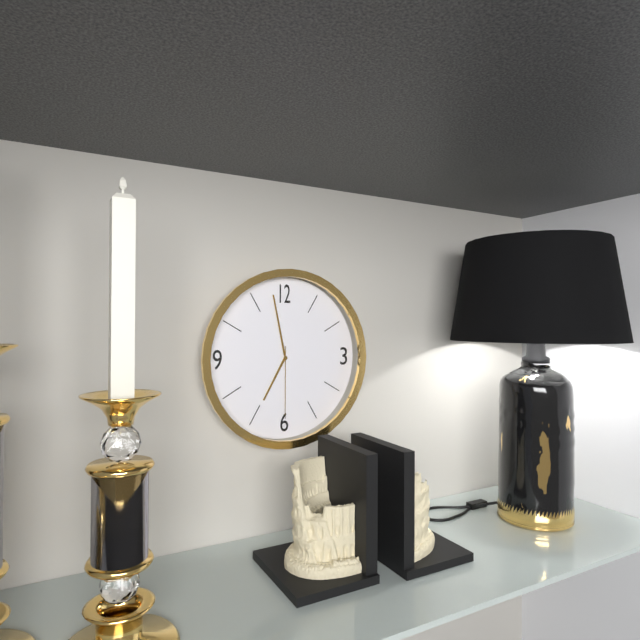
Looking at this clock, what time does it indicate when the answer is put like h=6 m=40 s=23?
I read h=6 m=58 s=30
